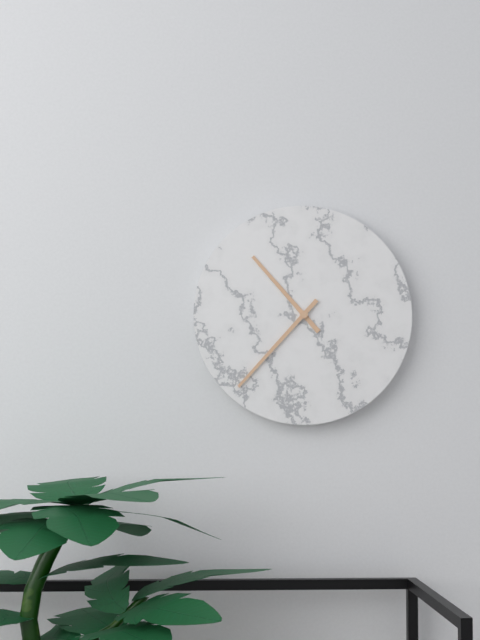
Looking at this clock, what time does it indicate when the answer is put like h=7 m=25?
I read h=10 m=37
